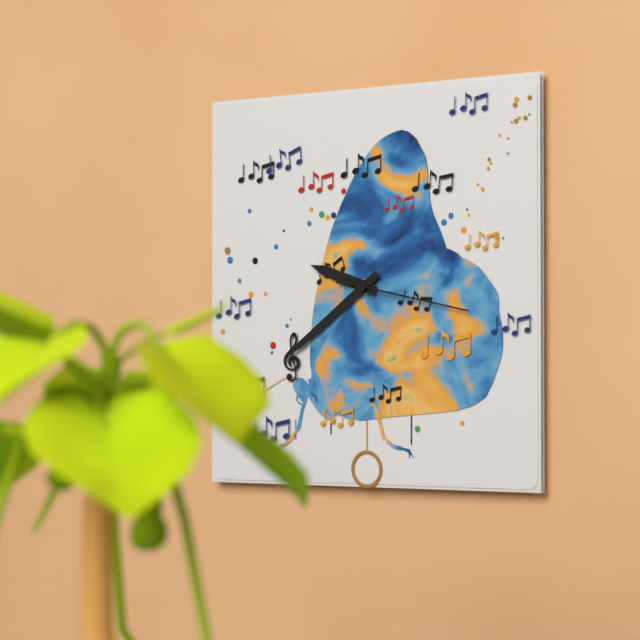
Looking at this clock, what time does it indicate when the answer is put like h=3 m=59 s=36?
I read h=9 m=39 s=17
